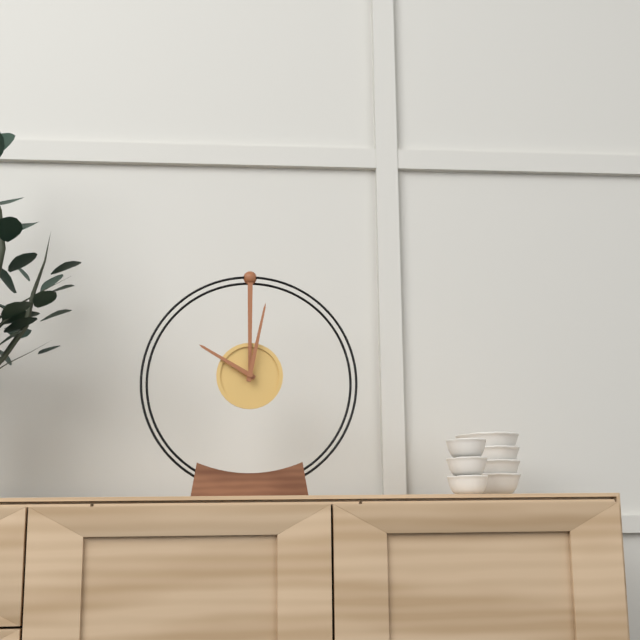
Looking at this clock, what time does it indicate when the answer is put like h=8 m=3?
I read h=10 m=2
